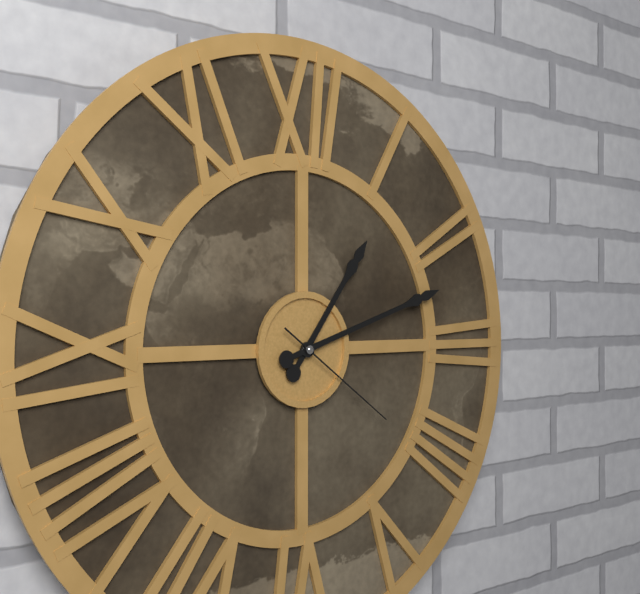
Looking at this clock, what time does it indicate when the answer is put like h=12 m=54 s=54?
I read h=1 m=12 s=21
